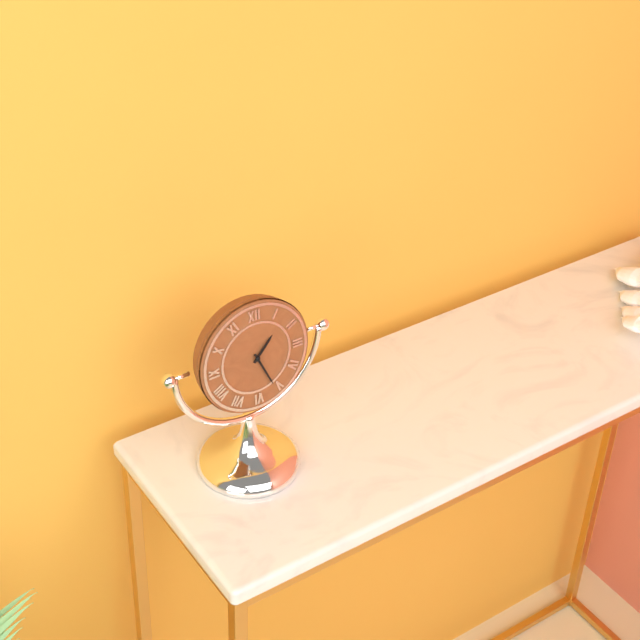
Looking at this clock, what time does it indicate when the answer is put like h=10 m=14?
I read h=1 m=26
